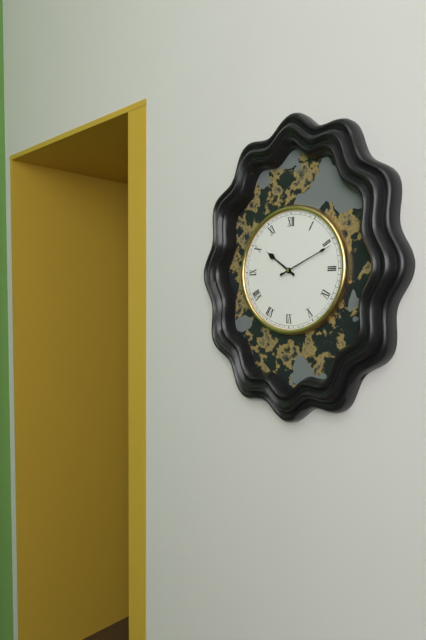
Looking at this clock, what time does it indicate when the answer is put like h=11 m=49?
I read h=10 m=11
